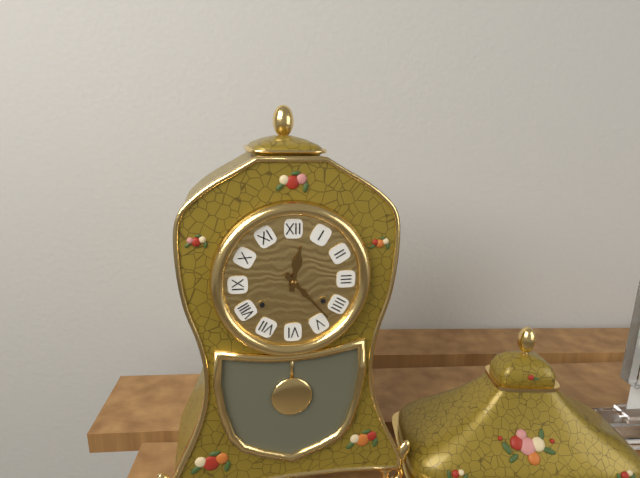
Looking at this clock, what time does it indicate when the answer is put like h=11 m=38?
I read h=12 m=23
